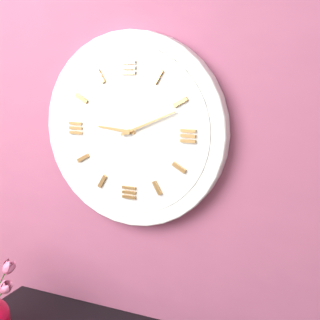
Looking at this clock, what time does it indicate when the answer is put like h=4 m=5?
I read h=9 m=11
